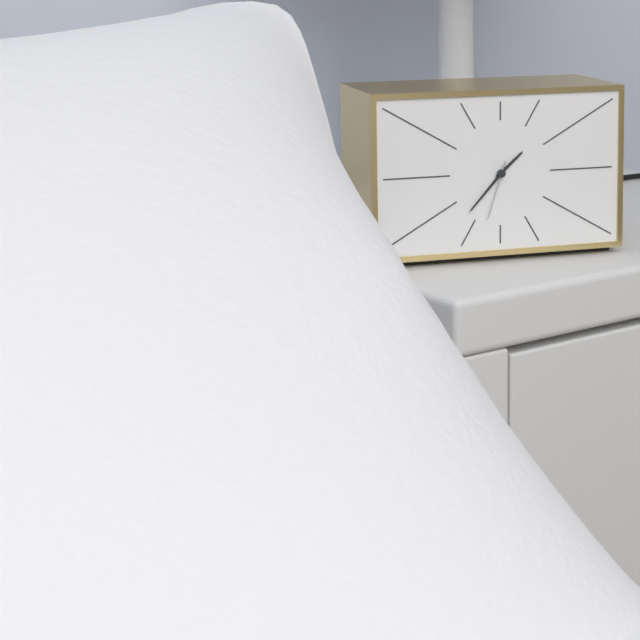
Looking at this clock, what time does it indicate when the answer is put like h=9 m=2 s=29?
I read h=1 m=37 s=33
